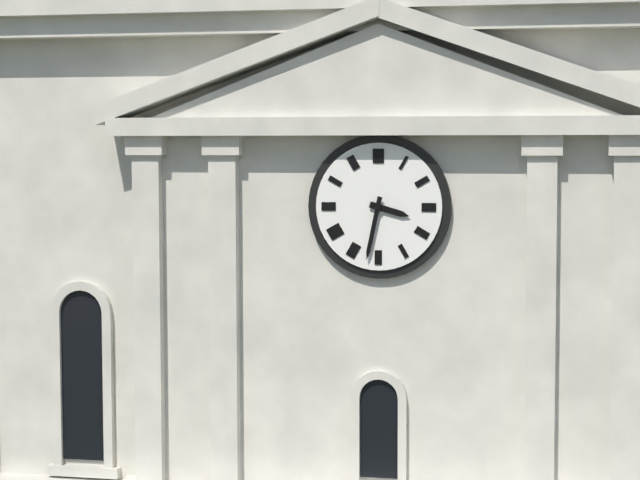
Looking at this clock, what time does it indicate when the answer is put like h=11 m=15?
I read h=3 m=32
